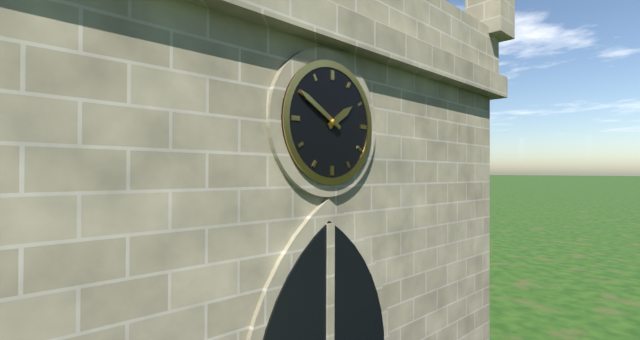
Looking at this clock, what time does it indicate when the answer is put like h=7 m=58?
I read h=1 m=50
